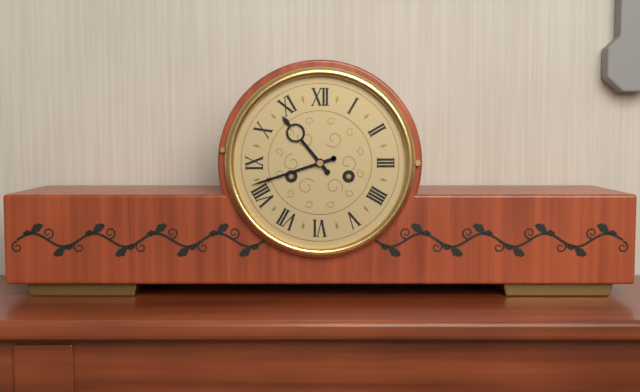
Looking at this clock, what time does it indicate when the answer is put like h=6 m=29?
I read h=10 m=42
